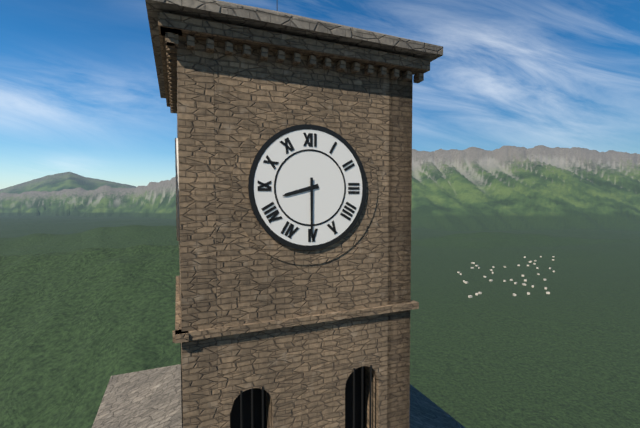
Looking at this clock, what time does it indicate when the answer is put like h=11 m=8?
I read h=8 m=30
